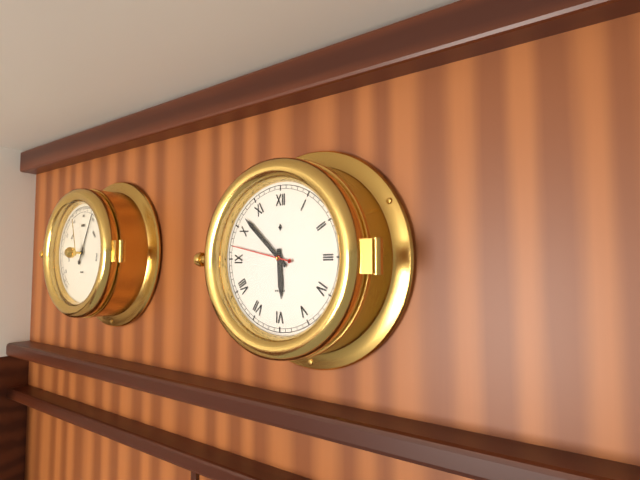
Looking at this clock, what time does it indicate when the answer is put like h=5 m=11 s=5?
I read h=5 m=52 s=47
